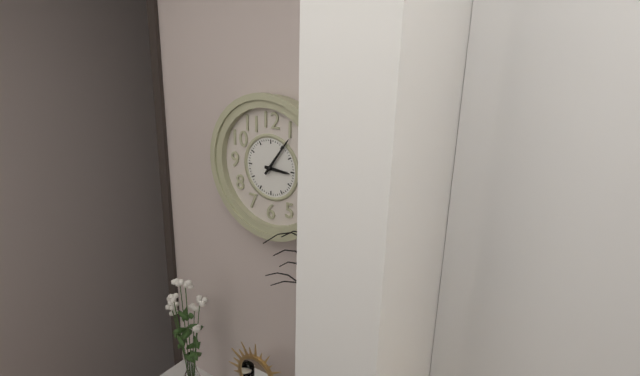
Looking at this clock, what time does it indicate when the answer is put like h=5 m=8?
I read h=3 m=6
